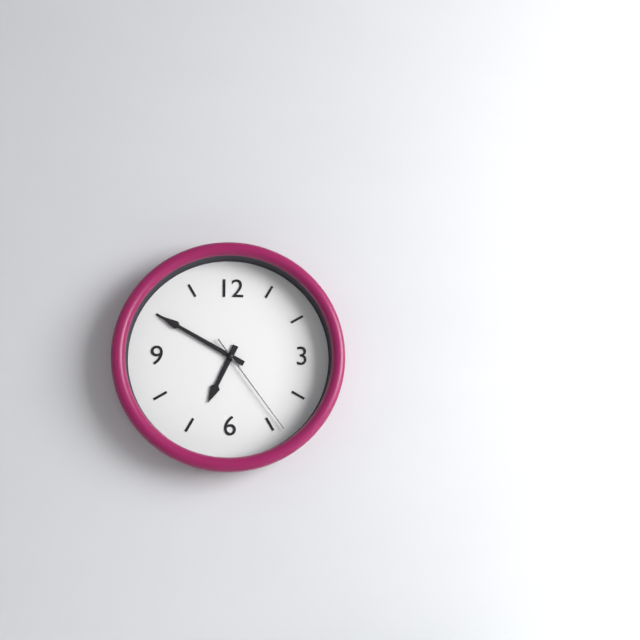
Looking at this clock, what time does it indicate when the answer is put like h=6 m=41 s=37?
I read h=6 m=50 s=24
